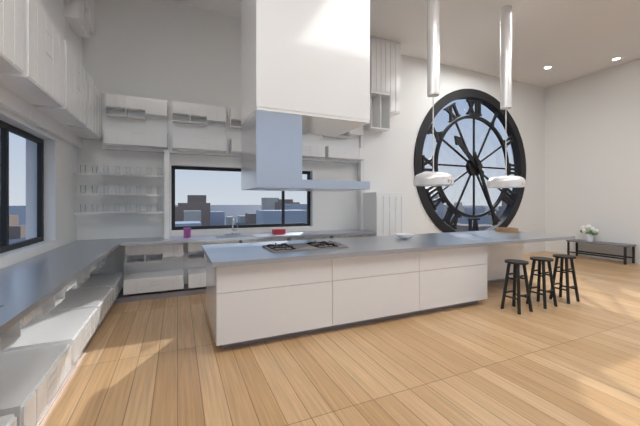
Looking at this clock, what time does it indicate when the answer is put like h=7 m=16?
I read h=10 m=26
